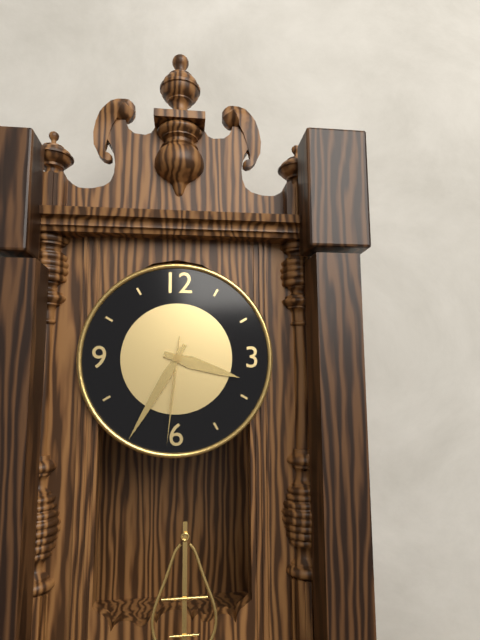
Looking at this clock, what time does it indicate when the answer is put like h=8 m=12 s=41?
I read h=3 m=35 s=31
